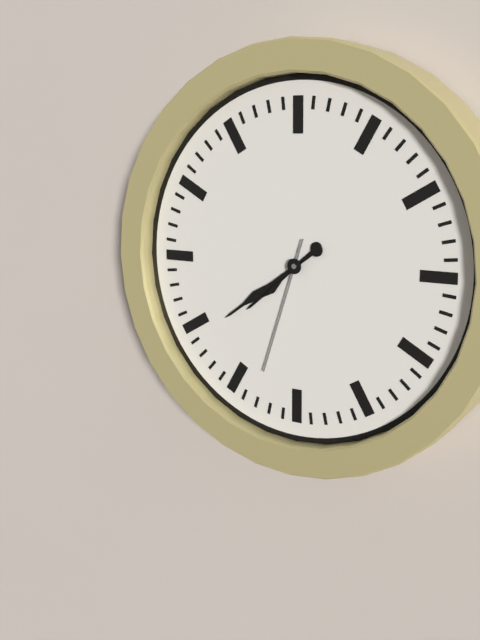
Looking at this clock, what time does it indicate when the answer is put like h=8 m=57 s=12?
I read h=7 m=39 s=33
